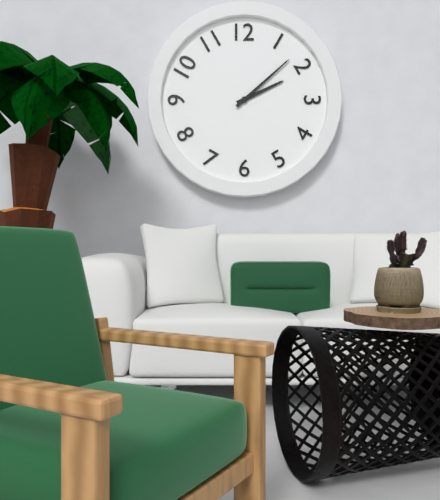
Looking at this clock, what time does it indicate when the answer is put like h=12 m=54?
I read h=2 m=8
